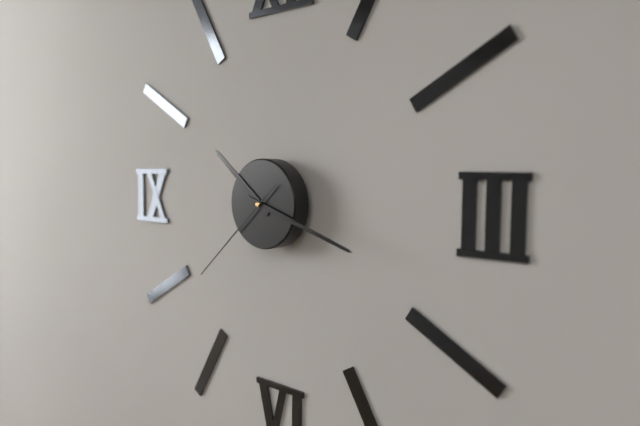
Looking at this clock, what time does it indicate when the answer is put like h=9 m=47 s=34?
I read h=10 m=18 s=38
